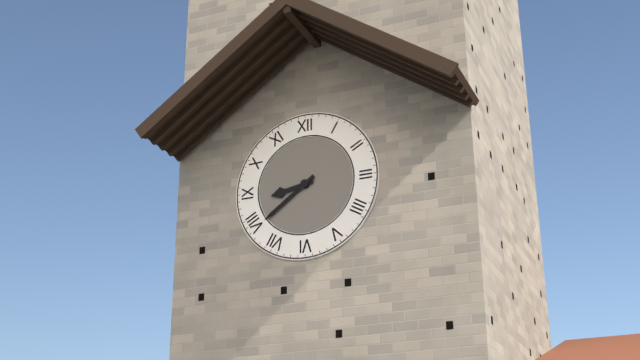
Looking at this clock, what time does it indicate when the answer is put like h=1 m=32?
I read h=8 m=39
